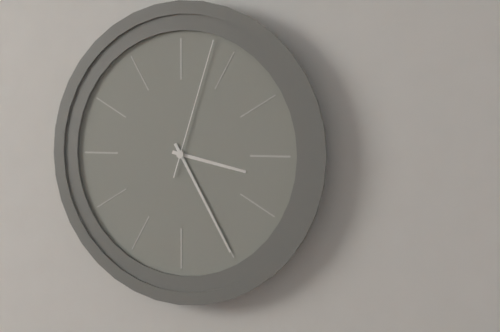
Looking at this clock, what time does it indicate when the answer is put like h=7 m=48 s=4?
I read h=3 m=25 s=3
